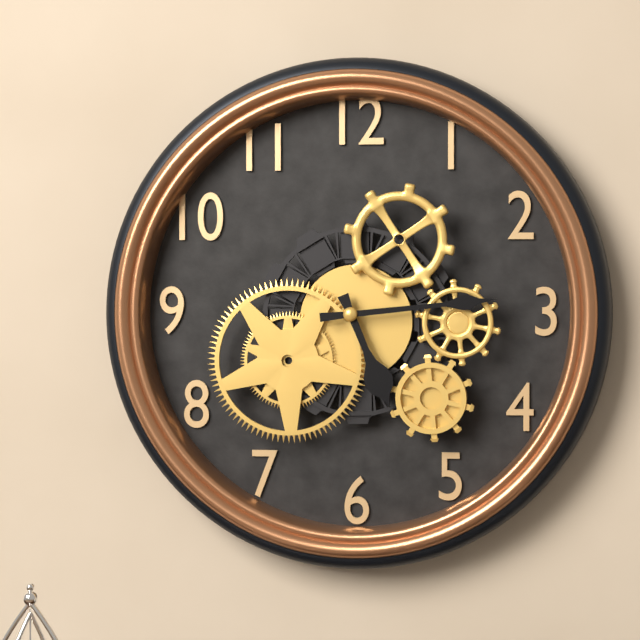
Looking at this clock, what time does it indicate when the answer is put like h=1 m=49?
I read h=5 m=14
